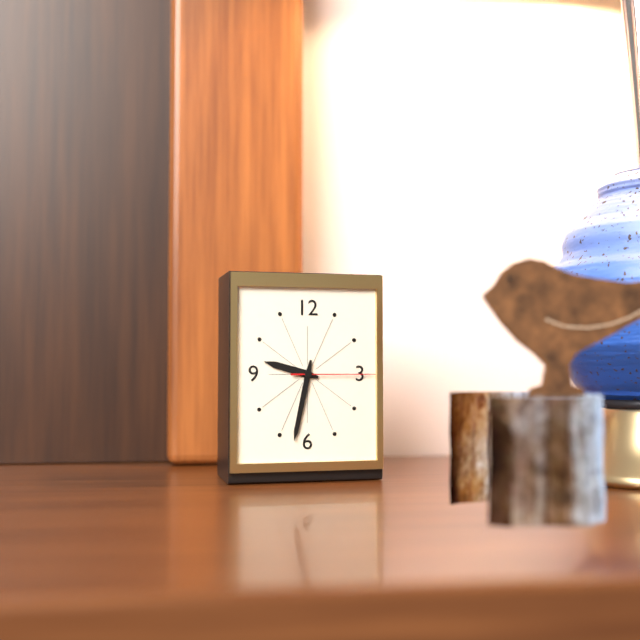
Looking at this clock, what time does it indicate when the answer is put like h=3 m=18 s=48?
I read h=9 m=32 s=15
